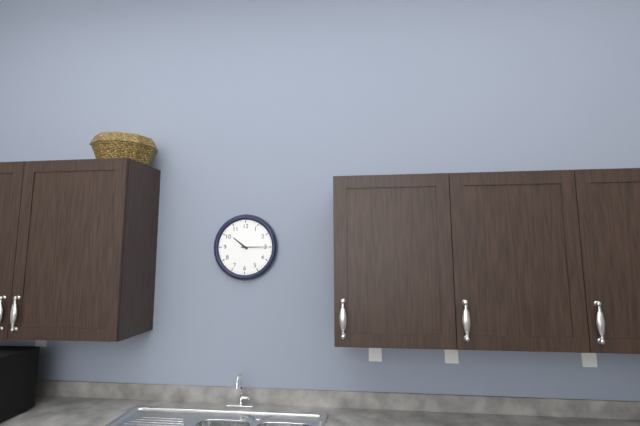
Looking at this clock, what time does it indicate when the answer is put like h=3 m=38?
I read h=10 m=15
